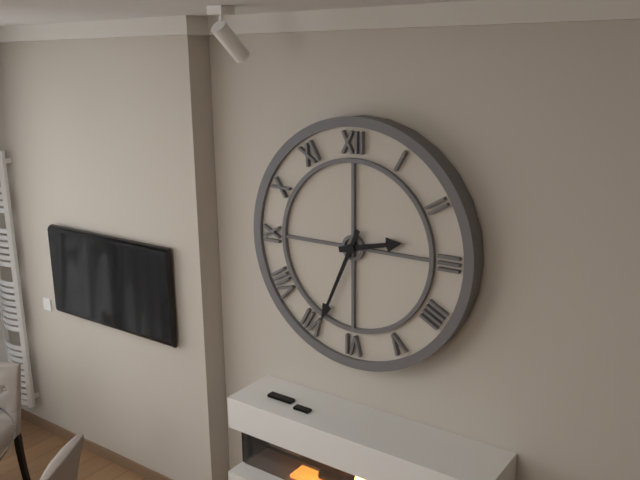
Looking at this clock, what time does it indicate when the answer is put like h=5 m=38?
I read h=2 m=34
